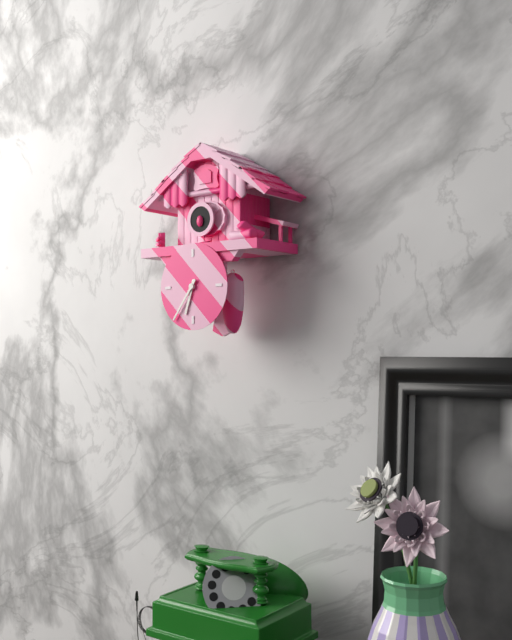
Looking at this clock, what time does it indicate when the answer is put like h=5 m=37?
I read h=6 m=36
